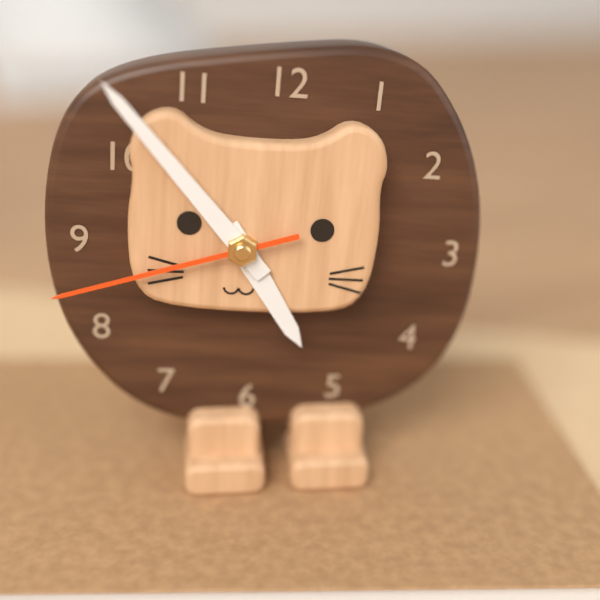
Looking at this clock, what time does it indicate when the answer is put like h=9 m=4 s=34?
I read h=4 m=53 s=42
